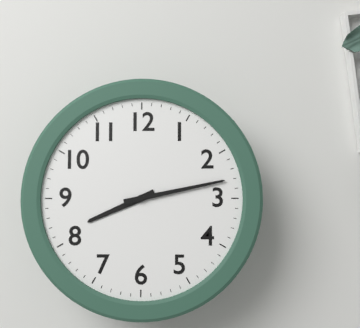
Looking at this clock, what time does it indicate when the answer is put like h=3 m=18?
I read h=8 m=13
